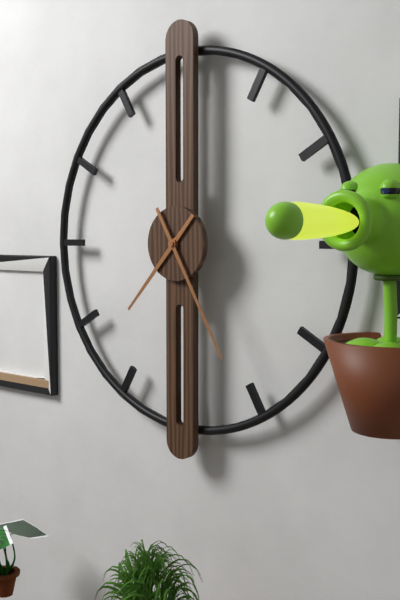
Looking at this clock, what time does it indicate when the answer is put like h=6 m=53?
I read h=7 m=25
